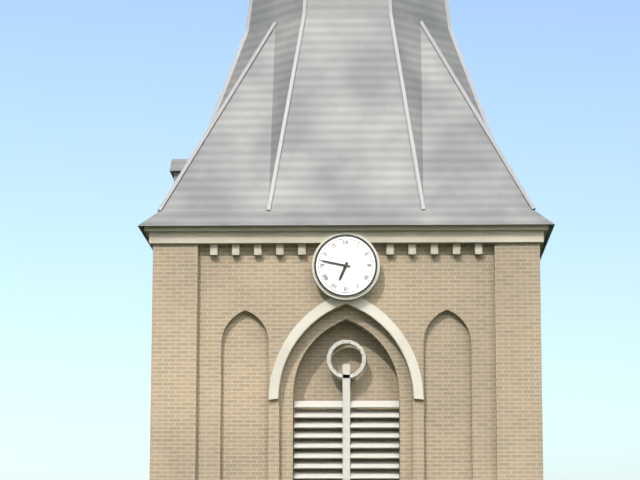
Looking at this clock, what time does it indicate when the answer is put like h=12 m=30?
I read h=6 m=47
